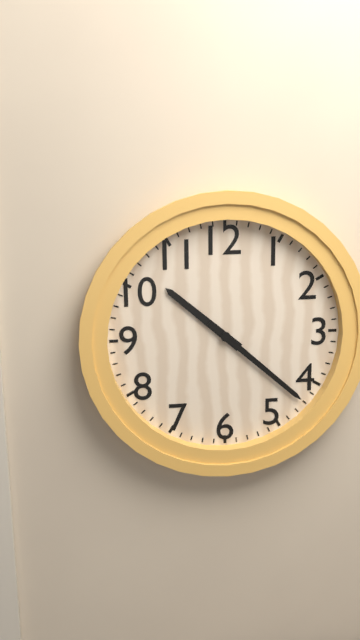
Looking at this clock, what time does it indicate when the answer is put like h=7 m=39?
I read h=10 m=22
